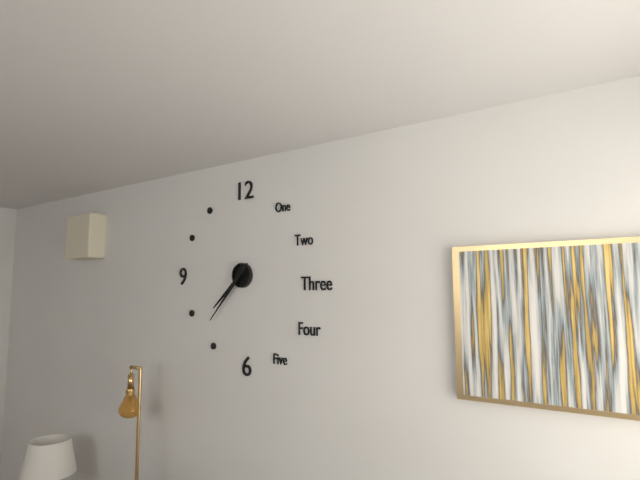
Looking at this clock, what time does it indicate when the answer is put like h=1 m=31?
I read h=7 m=37
